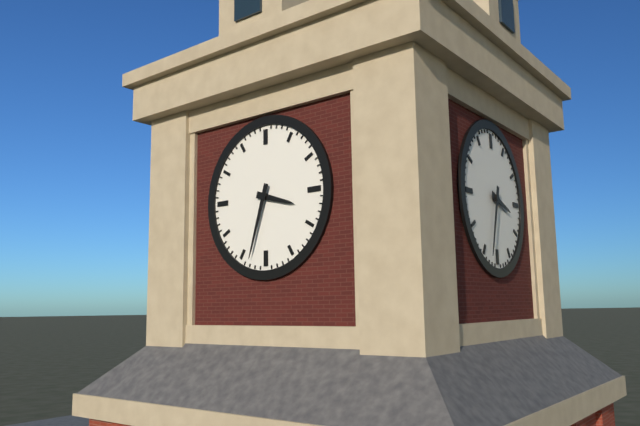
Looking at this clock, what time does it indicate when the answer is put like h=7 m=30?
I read h=3 m=33
